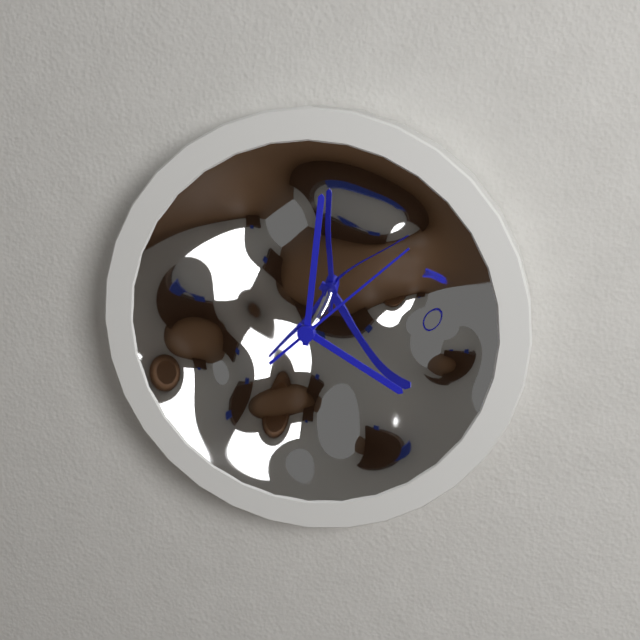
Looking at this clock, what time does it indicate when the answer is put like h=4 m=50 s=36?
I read h=4 m=1 s=8
